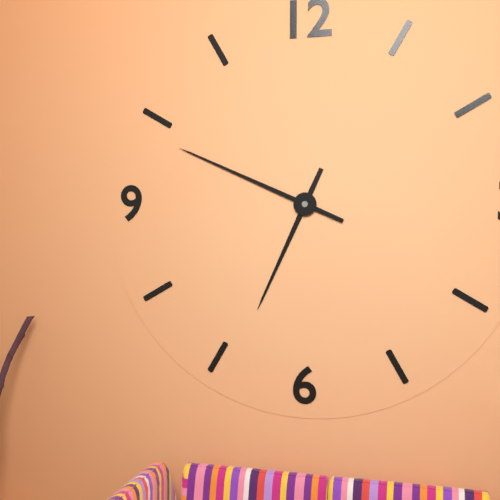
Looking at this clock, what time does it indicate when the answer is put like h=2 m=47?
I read h=6 m=49
